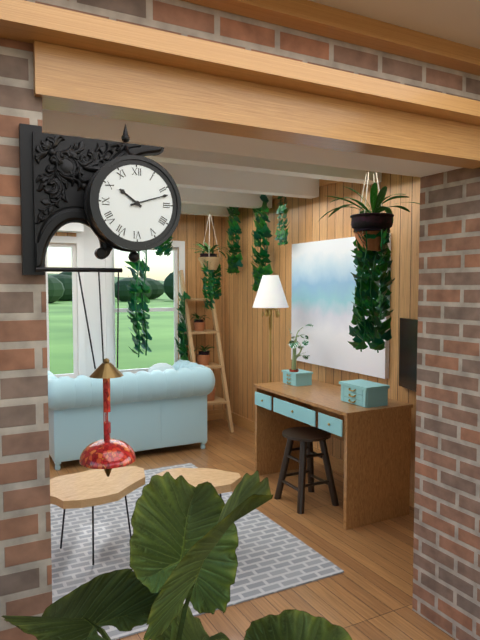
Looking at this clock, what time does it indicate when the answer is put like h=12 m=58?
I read h=10 m=12
